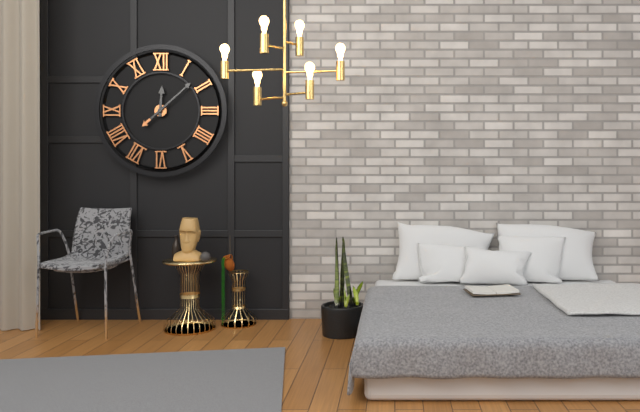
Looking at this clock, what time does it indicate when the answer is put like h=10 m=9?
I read h=12 m=8
